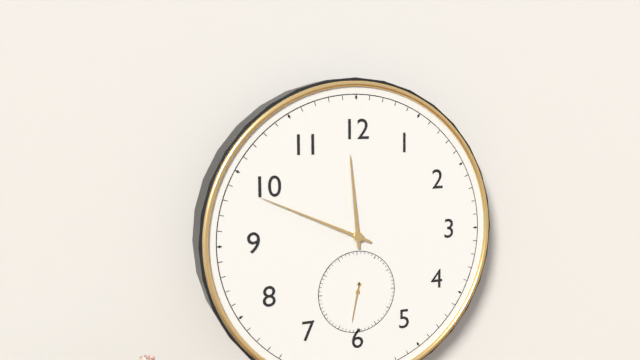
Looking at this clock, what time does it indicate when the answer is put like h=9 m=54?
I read h=11 m=49
